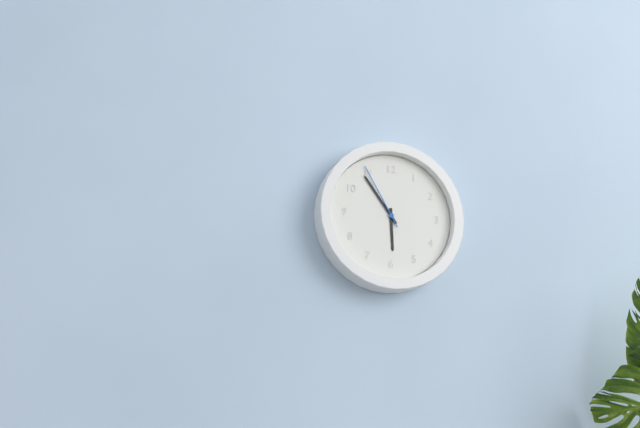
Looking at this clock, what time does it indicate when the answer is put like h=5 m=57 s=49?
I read h=5 m=54 s=55
